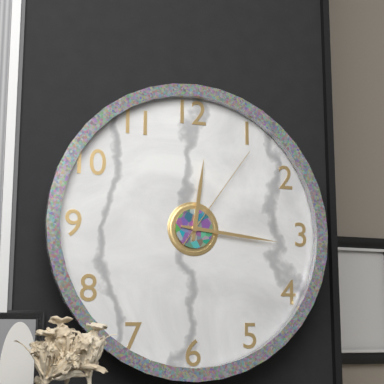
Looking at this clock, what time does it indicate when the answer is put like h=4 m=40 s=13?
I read h=12 m=16 s=6
